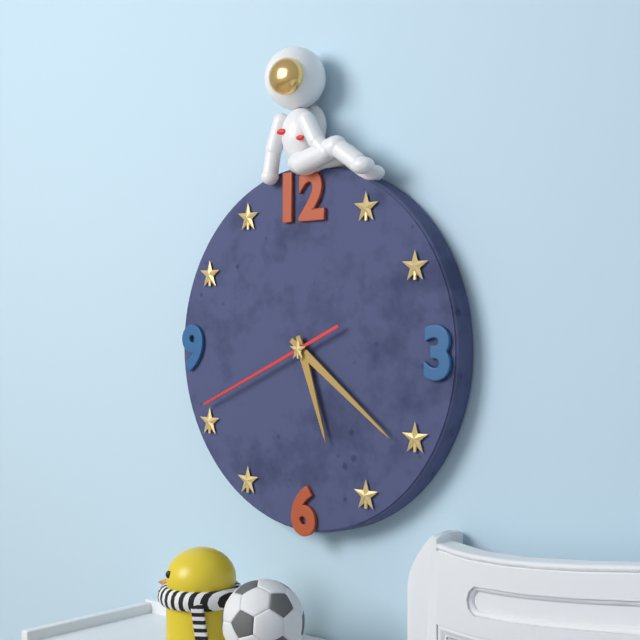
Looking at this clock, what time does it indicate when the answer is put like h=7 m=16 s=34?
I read h=5 m=21 s=41
